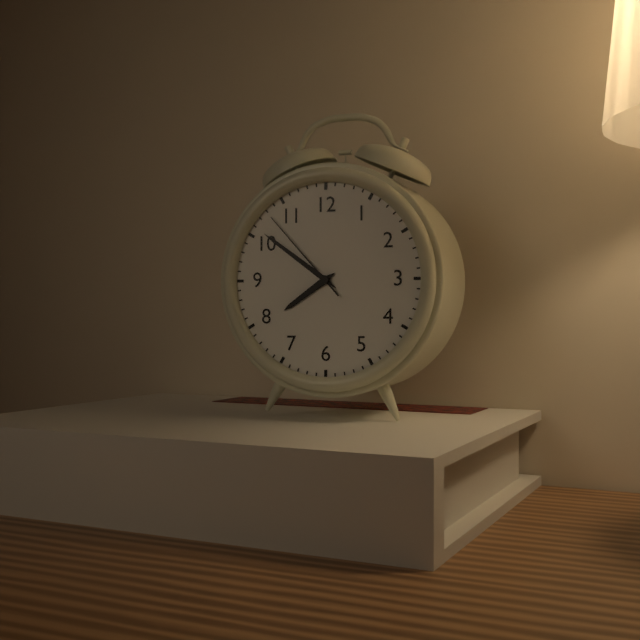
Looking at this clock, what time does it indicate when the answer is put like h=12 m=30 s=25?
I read h=7 m=51 s=53
